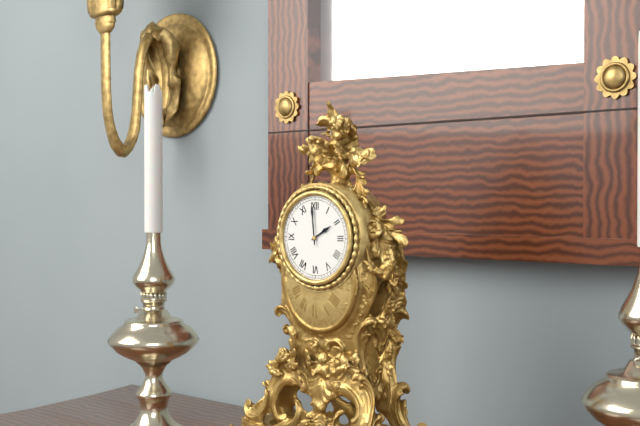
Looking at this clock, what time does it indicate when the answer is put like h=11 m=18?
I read h=1 m=59
